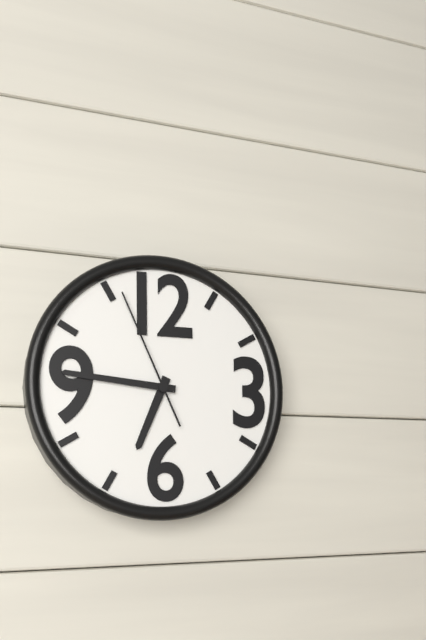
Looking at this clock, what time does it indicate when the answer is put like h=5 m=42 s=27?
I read h=6 m=46 s=56
